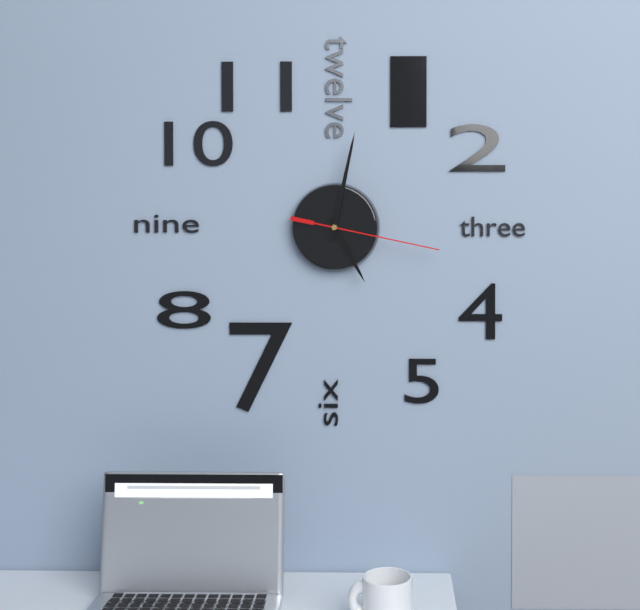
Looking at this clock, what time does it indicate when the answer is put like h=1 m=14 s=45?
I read h=5 m=2 s=17
